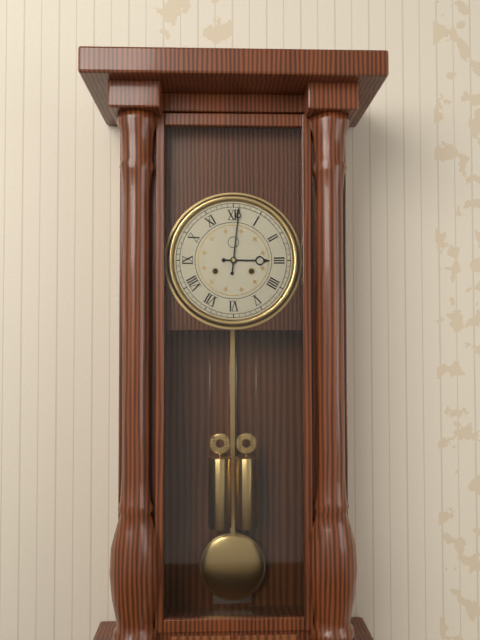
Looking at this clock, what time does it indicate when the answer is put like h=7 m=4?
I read h=3 m=1
